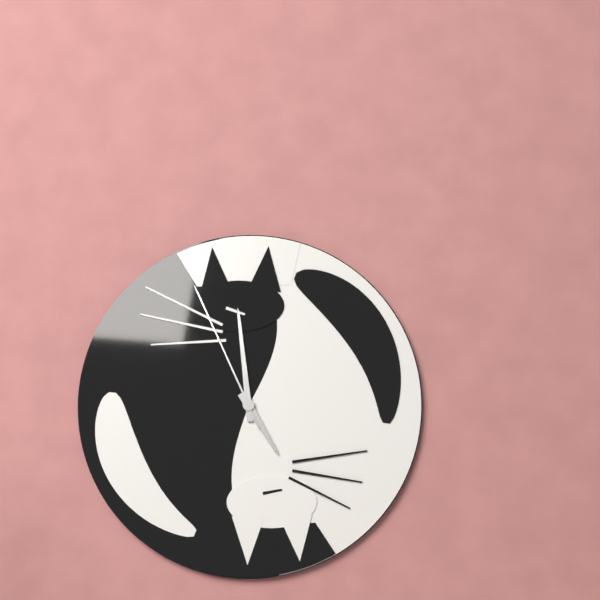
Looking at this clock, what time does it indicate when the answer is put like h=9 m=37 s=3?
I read h=4 m=59 s=56
